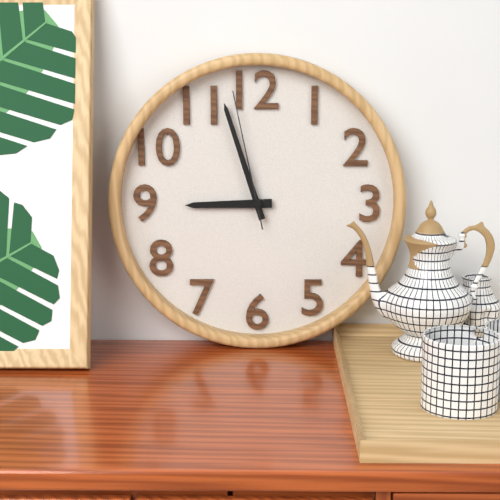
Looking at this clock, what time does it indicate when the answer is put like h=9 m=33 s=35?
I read h=8 m=57 s=58
